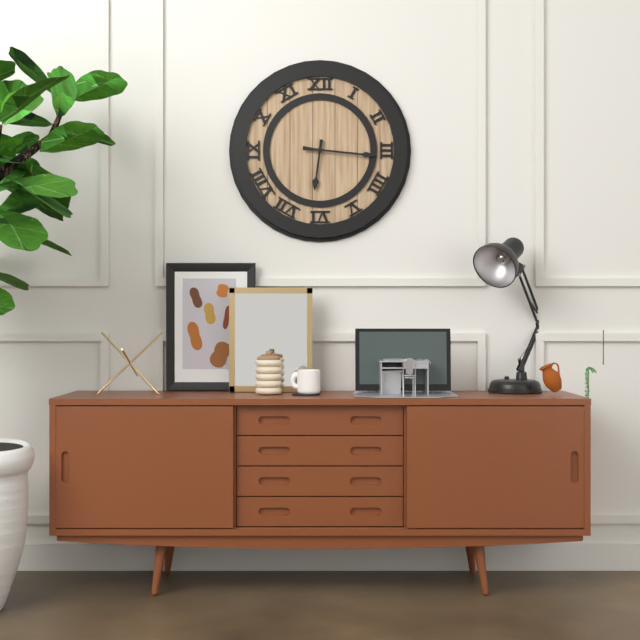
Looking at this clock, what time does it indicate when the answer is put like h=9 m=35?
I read h=6 m=16
